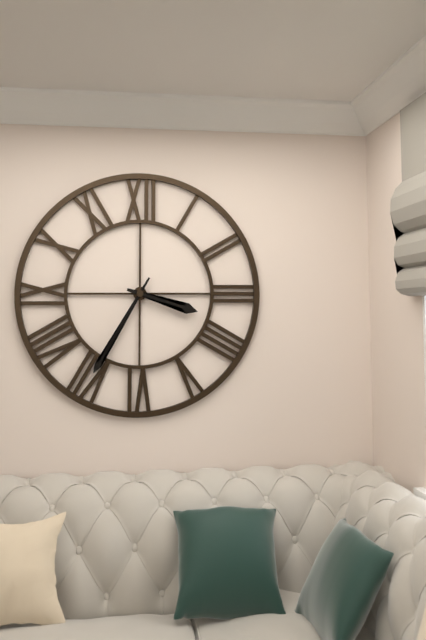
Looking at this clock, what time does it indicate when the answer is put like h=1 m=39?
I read h=3 m=35
